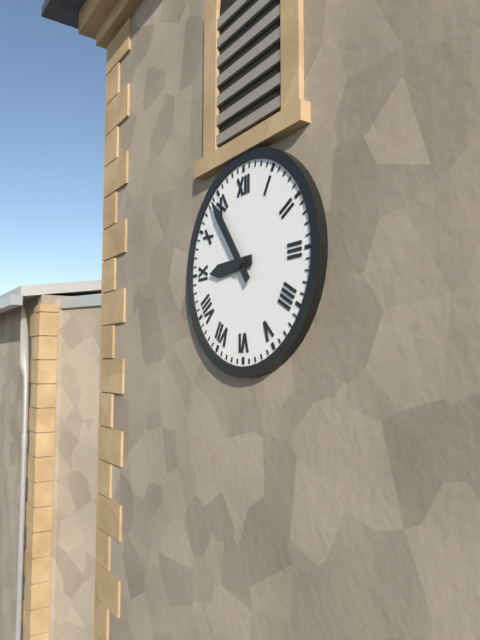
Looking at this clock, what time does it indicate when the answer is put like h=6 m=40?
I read h=8 m=54
